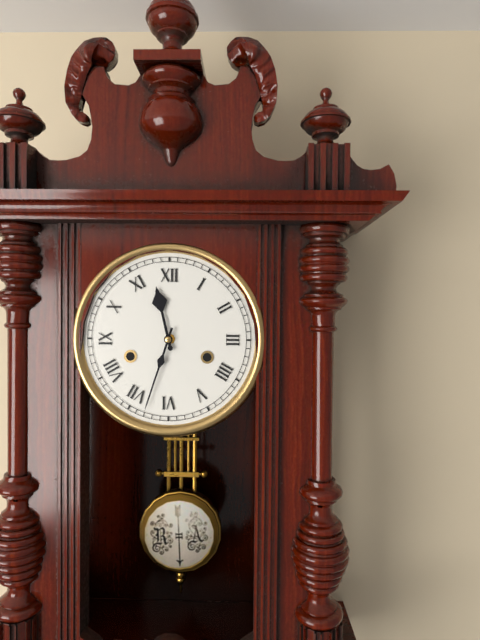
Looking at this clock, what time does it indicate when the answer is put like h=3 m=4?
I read h=11 m=33
